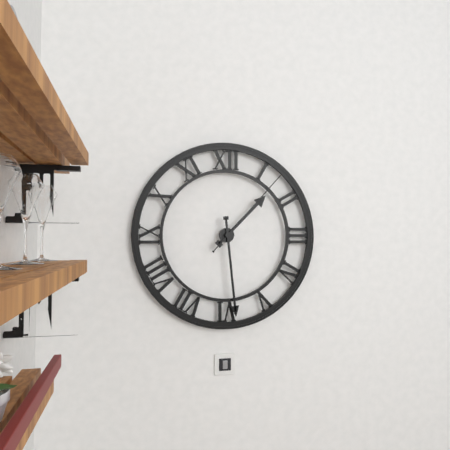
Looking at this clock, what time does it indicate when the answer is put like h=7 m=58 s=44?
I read h=1 m=29 s=7
